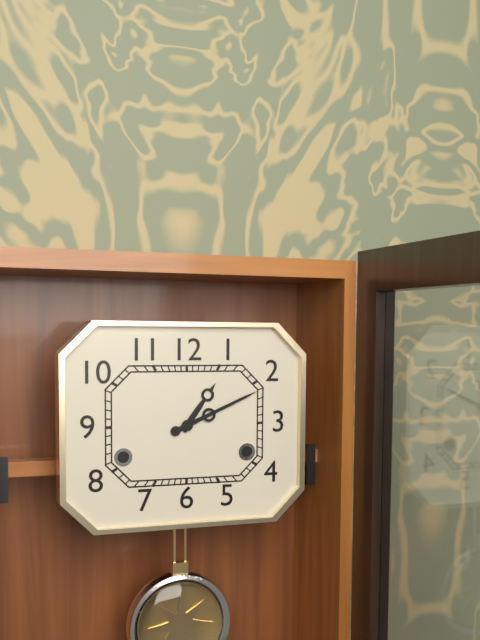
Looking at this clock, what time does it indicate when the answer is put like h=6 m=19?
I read h=1 m=11
